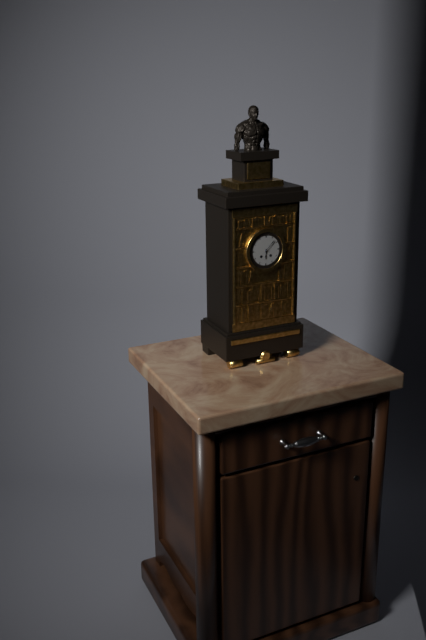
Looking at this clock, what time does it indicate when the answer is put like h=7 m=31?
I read h=6 m=7
